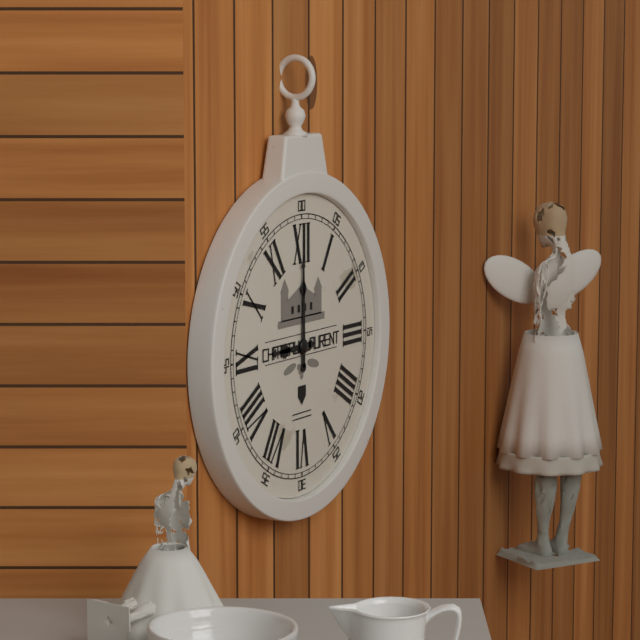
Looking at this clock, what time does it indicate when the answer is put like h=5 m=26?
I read h=9 m=0
